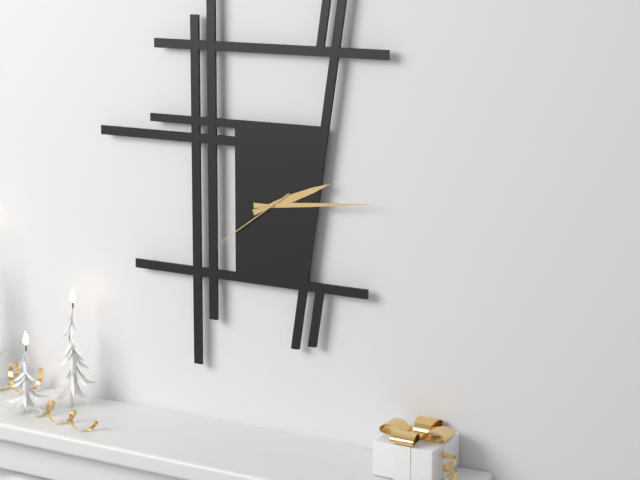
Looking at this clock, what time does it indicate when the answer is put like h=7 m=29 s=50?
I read h=2 m=14 s=39
